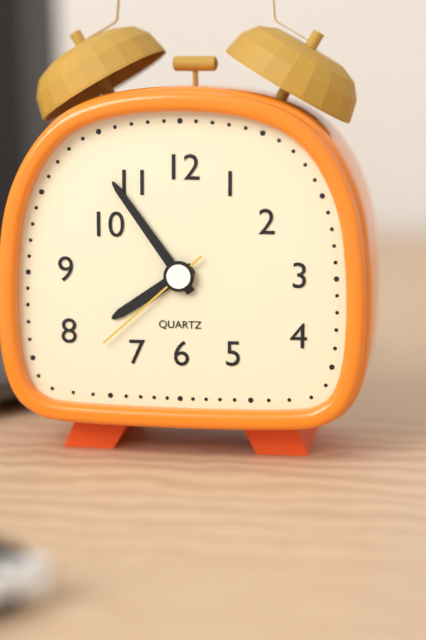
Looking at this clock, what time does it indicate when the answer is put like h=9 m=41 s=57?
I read h=7 m=54 s=38
